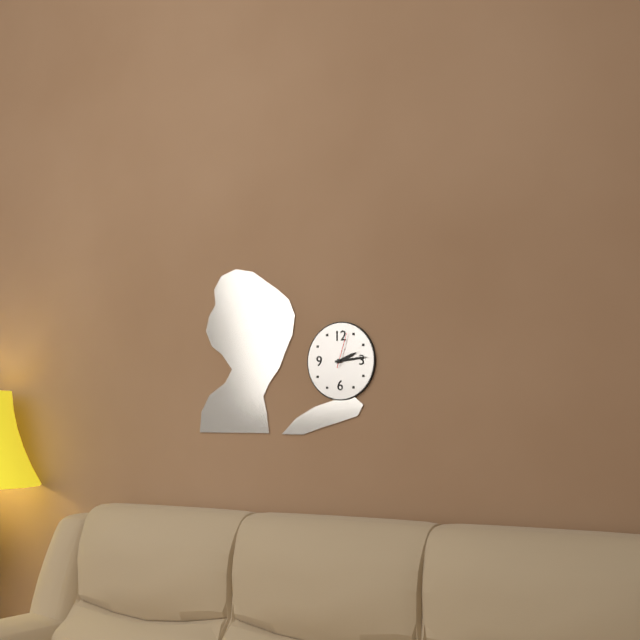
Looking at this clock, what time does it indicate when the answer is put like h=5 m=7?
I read h=2 m=14
